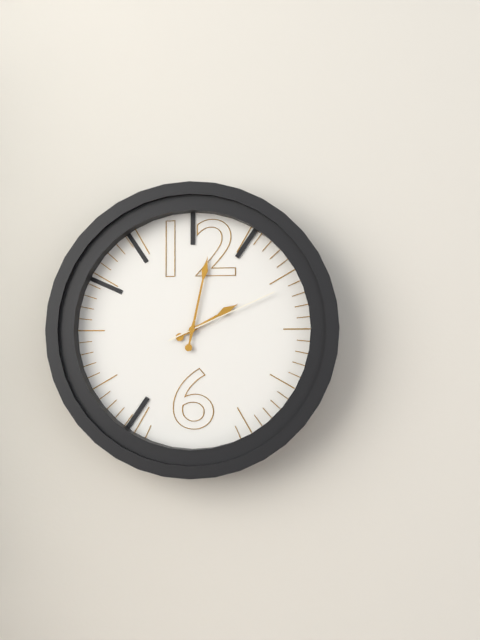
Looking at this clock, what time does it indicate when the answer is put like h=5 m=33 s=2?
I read h=2 m=2 s=11
